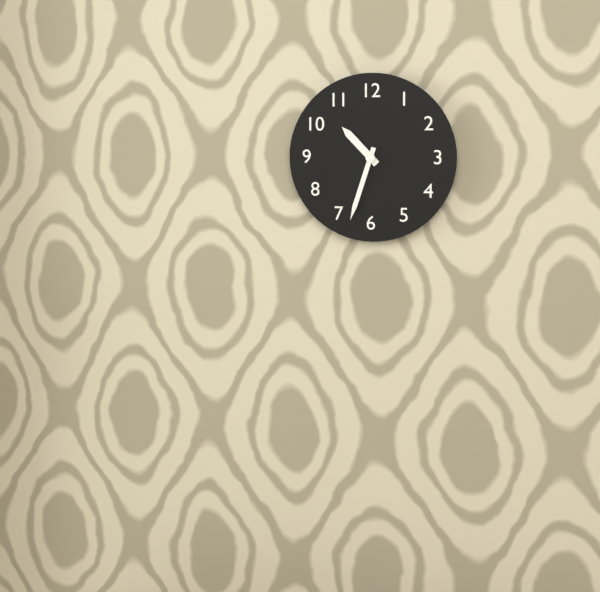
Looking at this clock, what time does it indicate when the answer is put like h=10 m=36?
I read h=10 m=33
